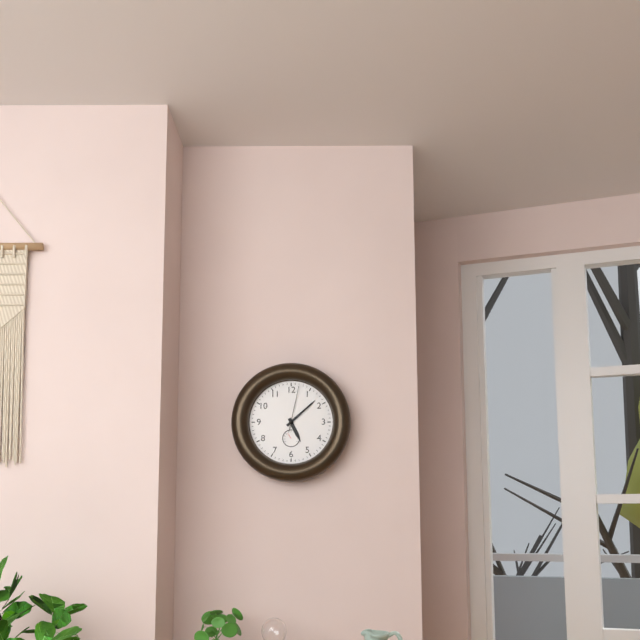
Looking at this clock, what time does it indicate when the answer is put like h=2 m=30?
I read h=5 m=8
